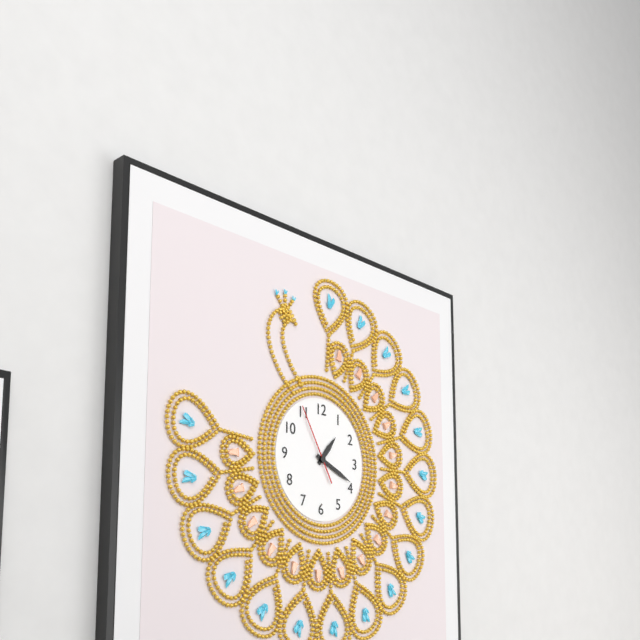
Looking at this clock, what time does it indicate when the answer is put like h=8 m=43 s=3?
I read h=1 m=19 s=55
